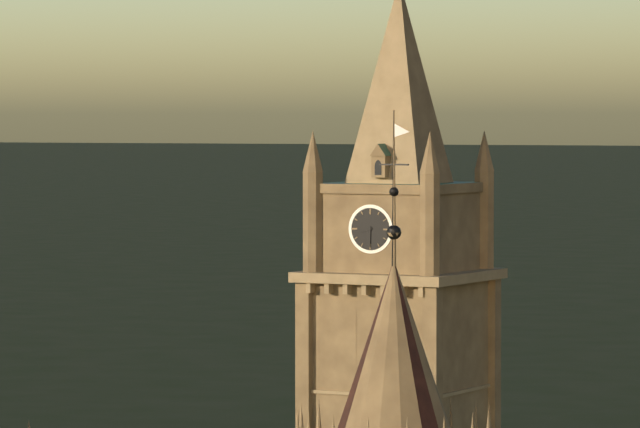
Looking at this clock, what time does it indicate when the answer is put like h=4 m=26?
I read h=8 m=30
